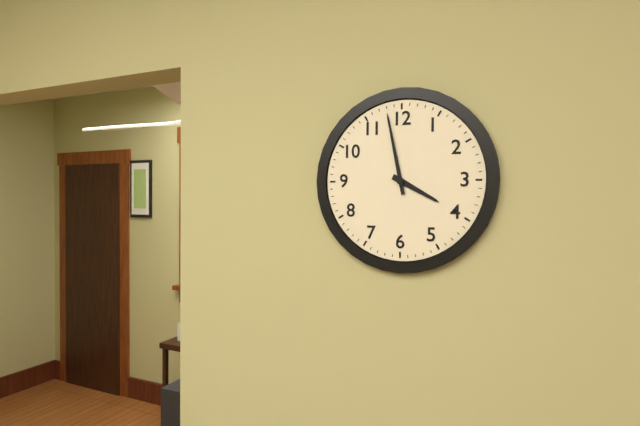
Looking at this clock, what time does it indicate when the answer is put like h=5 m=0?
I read h=3 m=58
